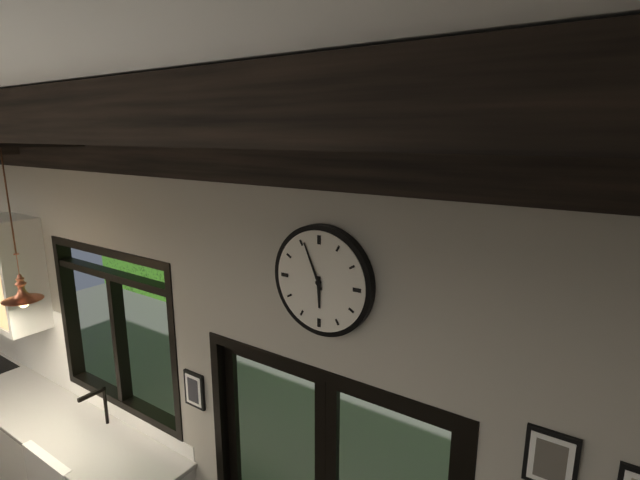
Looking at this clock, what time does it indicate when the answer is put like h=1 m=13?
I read h=5 m=56
